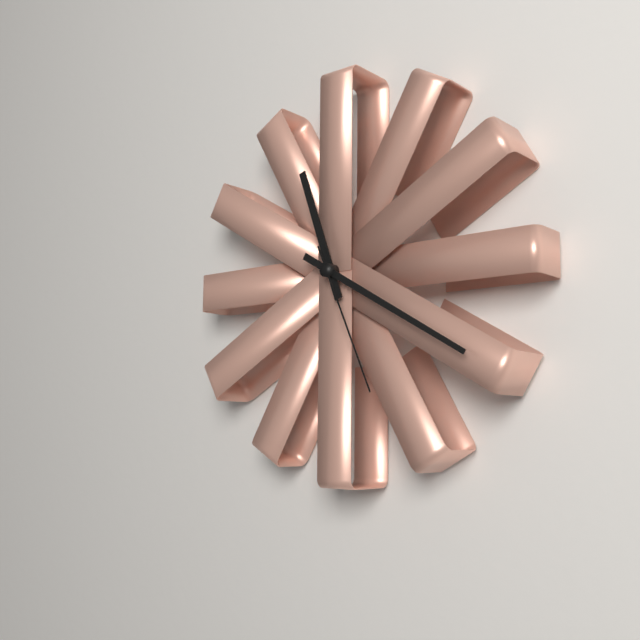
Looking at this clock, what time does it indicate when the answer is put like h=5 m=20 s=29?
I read h=11 m=20 s=26
